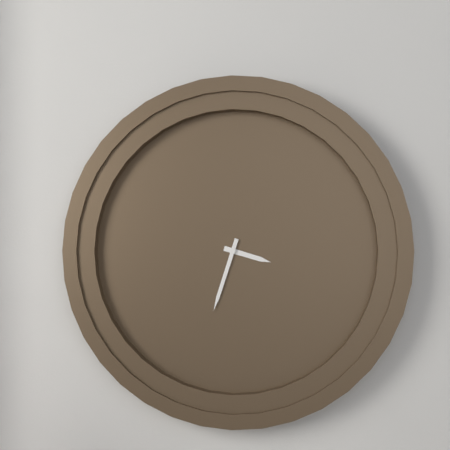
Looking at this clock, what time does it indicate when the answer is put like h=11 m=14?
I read h=3 m=33
